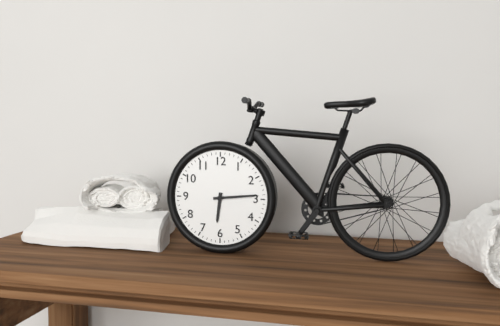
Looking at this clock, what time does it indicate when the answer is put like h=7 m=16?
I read h=6 m=14
